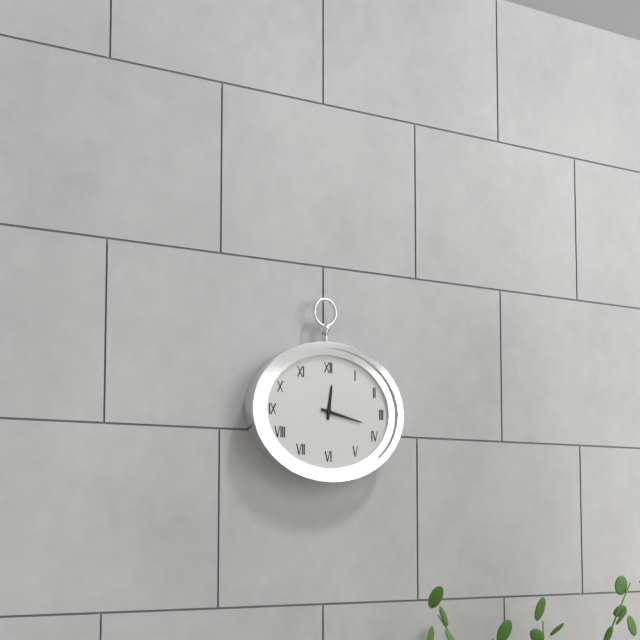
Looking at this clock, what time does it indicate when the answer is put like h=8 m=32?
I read h=12 m=17
